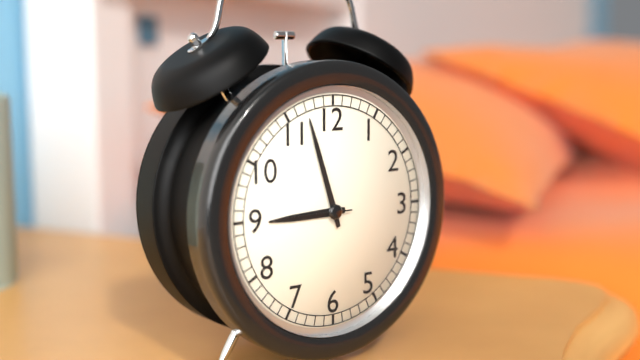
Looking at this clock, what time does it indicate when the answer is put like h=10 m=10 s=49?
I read h=8 m=57 s=45
